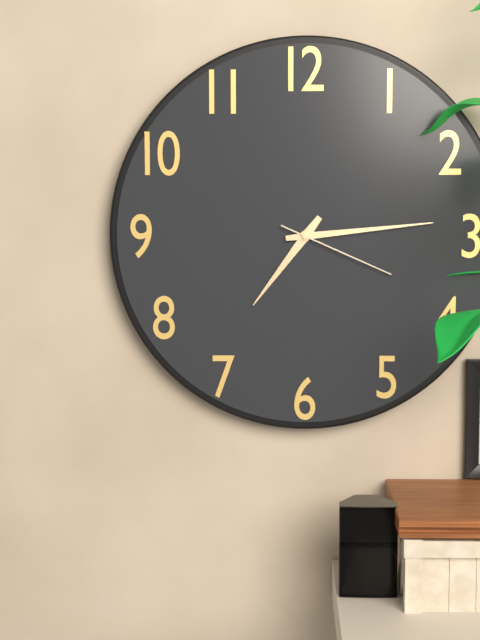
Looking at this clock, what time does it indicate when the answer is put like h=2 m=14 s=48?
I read h=7 m=14 s=19
